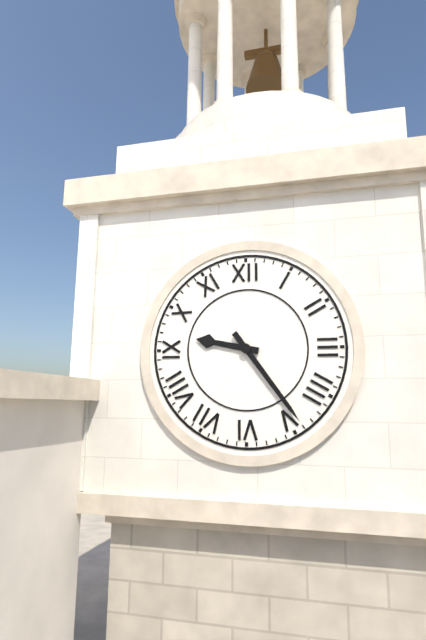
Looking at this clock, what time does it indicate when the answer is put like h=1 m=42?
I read h=9 m=24
